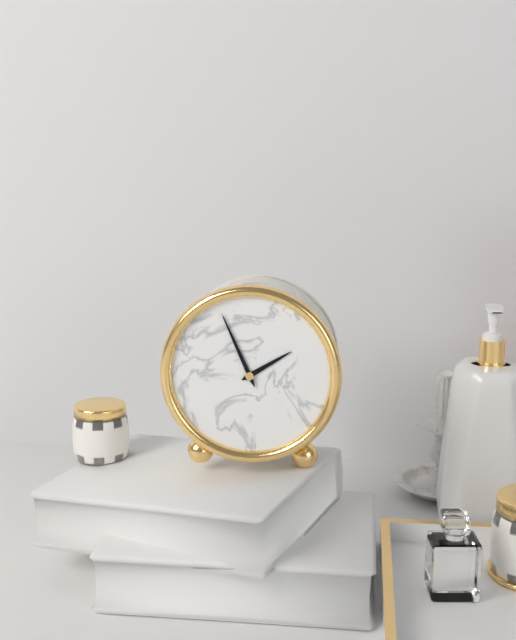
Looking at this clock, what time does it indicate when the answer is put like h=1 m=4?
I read h=1 m=56
